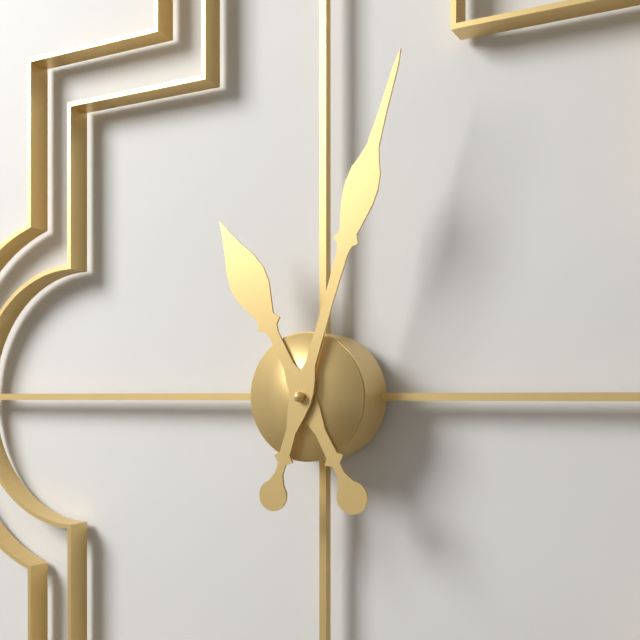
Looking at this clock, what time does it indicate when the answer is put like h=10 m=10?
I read h=11 m=3
